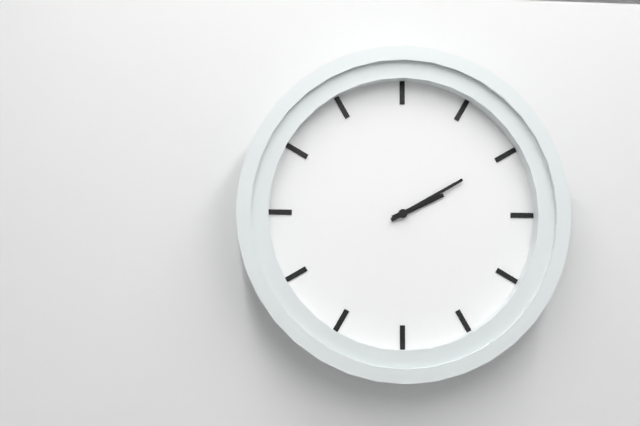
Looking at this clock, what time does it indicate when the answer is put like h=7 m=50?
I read h=2 m=10
